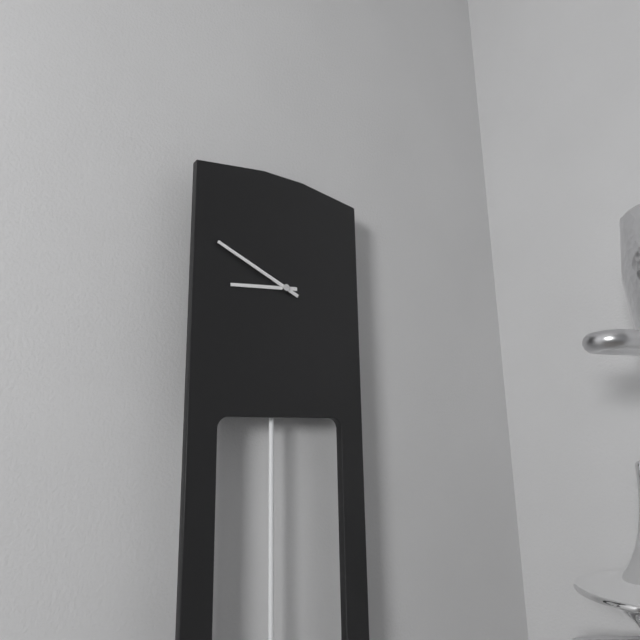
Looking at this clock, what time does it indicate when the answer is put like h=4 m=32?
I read h=8 m=49
